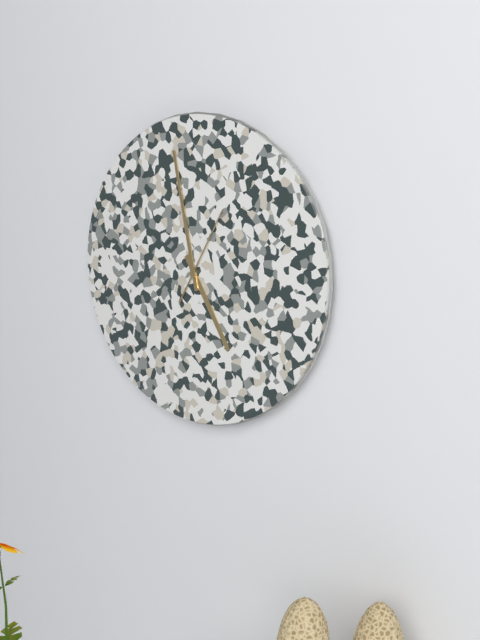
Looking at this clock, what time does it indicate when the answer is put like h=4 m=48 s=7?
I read h=4 m=58 s=5
